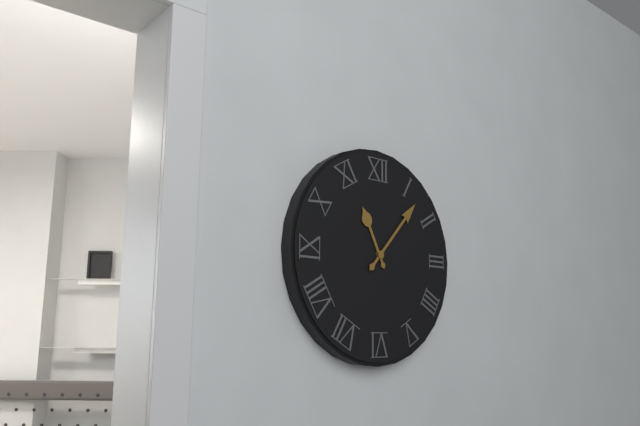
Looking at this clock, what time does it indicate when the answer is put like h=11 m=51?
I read h=11 m=7
